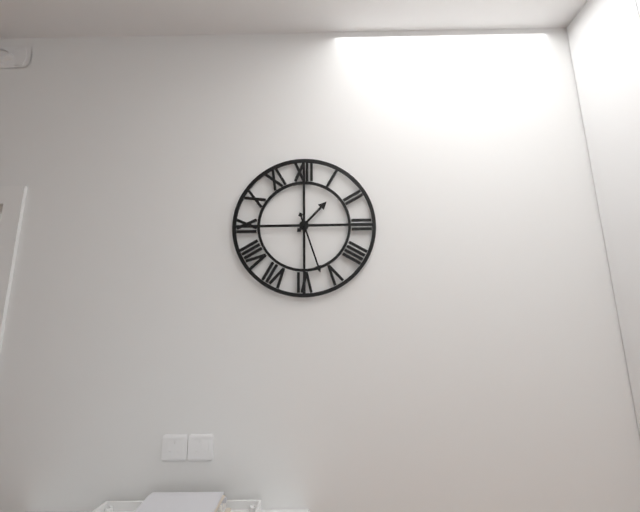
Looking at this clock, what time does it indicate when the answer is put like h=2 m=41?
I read h=1 m=27
